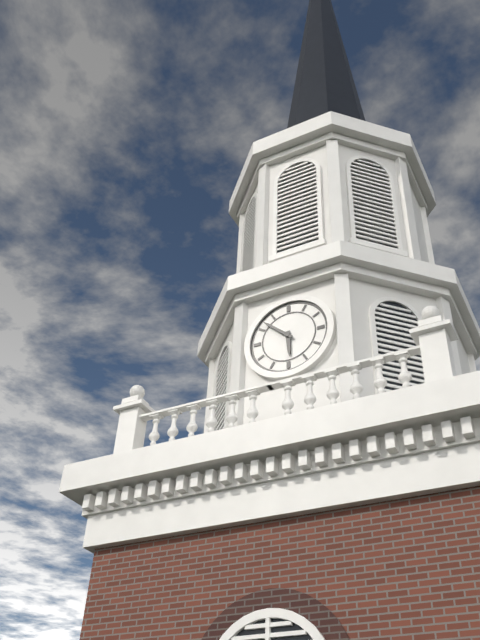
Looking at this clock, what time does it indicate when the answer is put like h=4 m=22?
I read h=5 m=52
